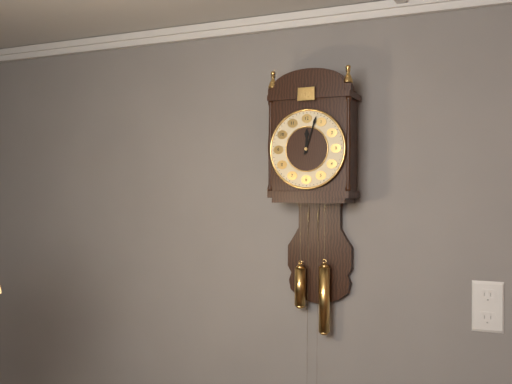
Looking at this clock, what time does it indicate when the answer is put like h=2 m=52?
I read h=12 m=3
